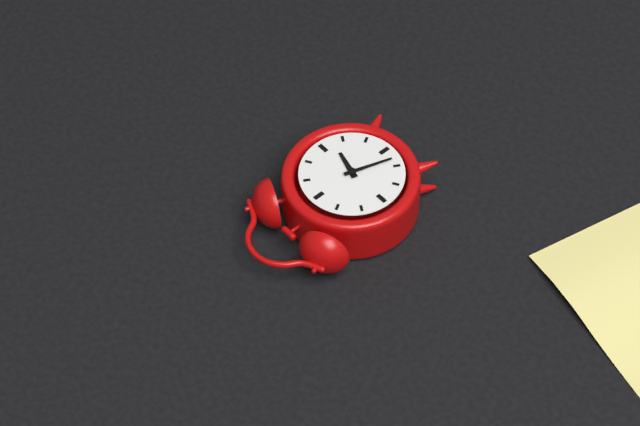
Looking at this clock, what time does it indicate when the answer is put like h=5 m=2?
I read h=3 m=33
